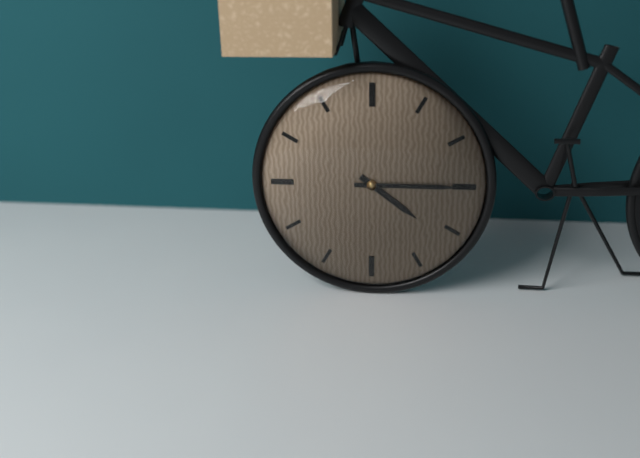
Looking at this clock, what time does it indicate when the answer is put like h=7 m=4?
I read h=4 m=15
